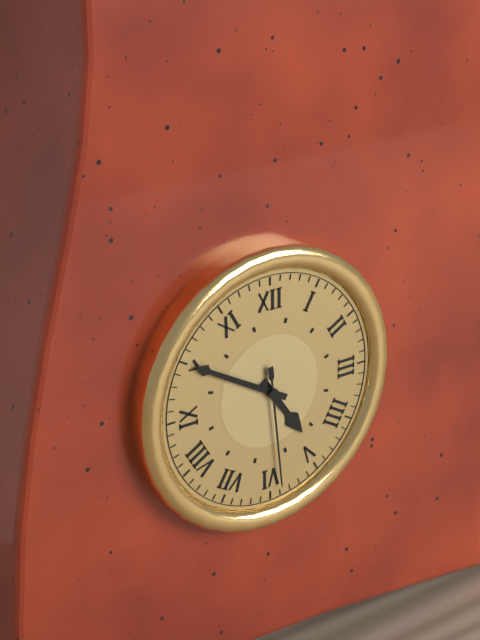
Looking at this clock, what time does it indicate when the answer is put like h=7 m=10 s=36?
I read h=4 m=50 s=29
